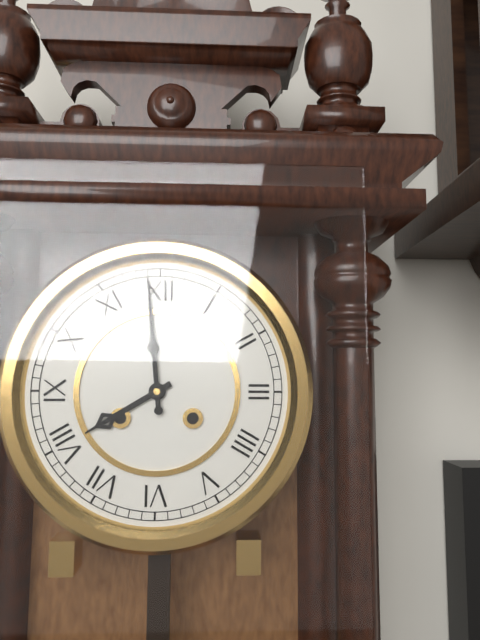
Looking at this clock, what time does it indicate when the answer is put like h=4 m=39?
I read h=7 m=59
